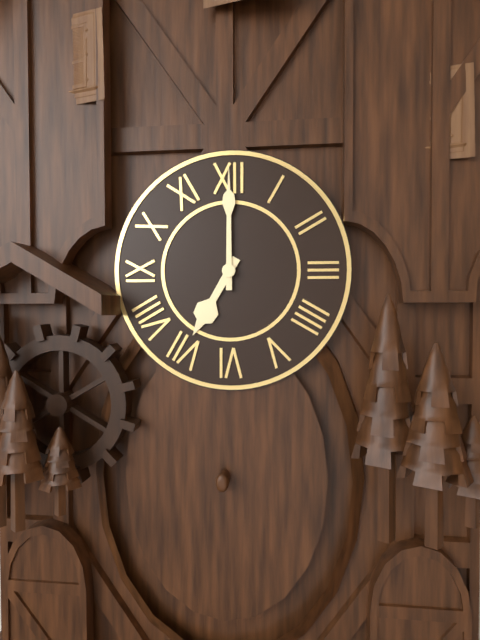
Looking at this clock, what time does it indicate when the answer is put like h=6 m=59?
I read h=7 m=0
